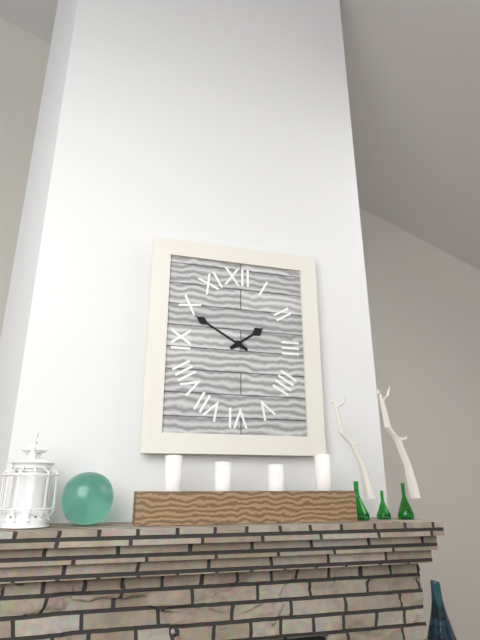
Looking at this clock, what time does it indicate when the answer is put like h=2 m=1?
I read h=1 m=50
